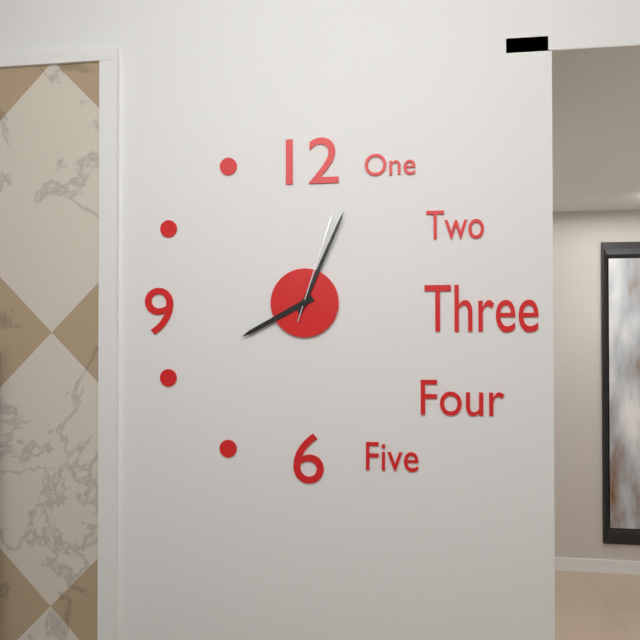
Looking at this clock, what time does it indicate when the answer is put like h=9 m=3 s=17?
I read h=8 m=4 s=3
